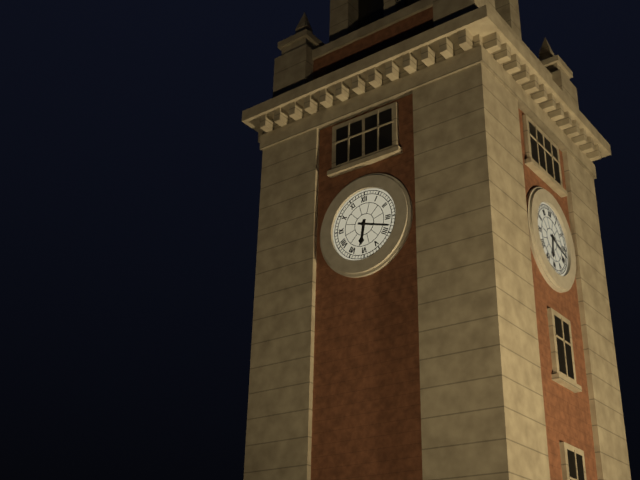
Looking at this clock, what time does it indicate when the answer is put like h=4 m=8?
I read h=6 m=18
